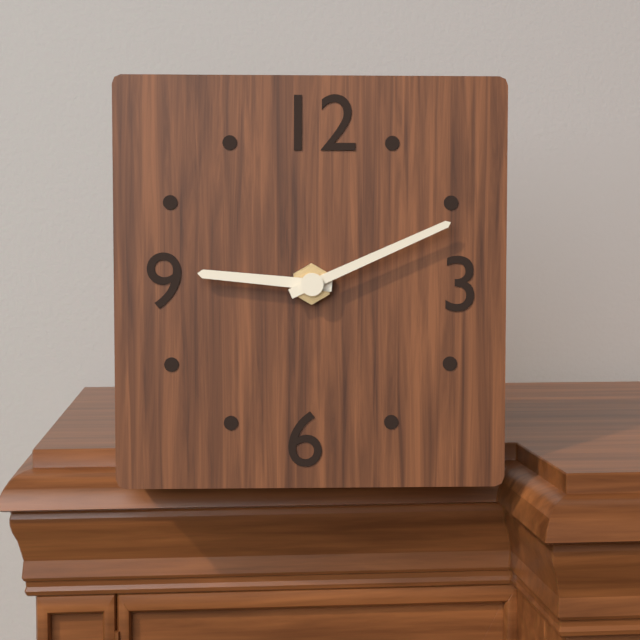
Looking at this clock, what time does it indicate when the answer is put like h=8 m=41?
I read h=9 m=11
